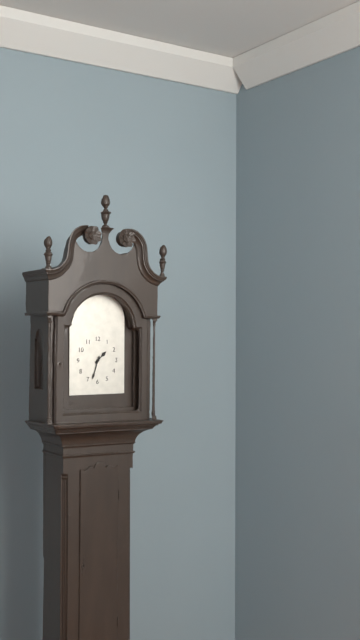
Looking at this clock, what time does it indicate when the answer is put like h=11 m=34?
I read h=1 m=33
